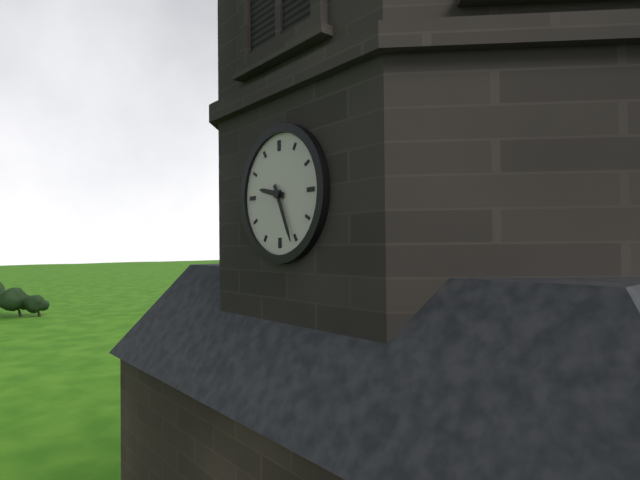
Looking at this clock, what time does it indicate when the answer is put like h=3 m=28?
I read h=9 m=26
